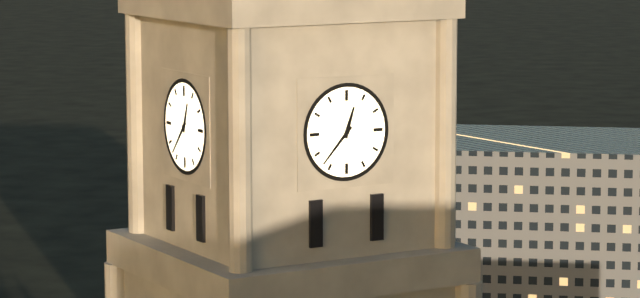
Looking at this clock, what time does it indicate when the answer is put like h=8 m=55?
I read h=12 m=37
